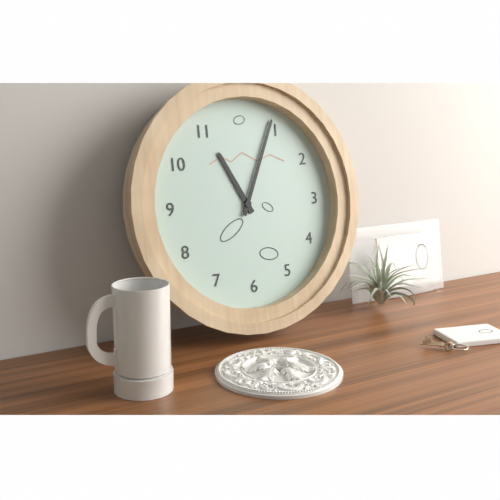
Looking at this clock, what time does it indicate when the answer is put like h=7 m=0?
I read h=11 m=4
